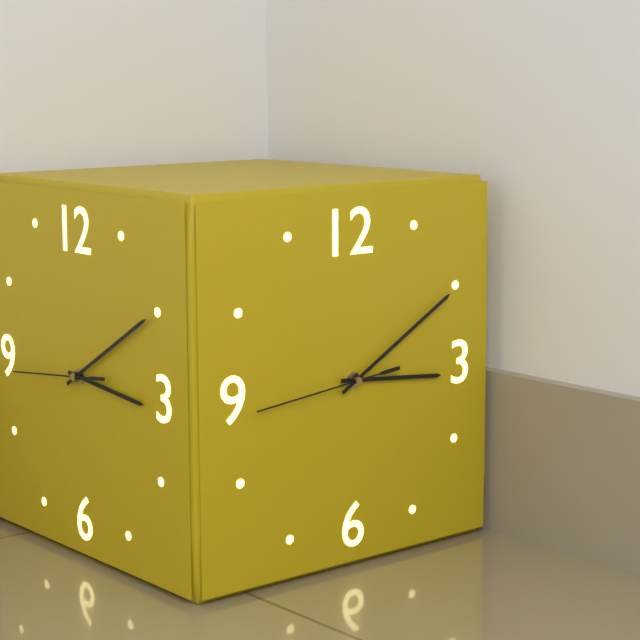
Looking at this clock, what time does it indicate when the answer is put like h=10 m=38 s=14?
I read h=3 m=10 s=44
